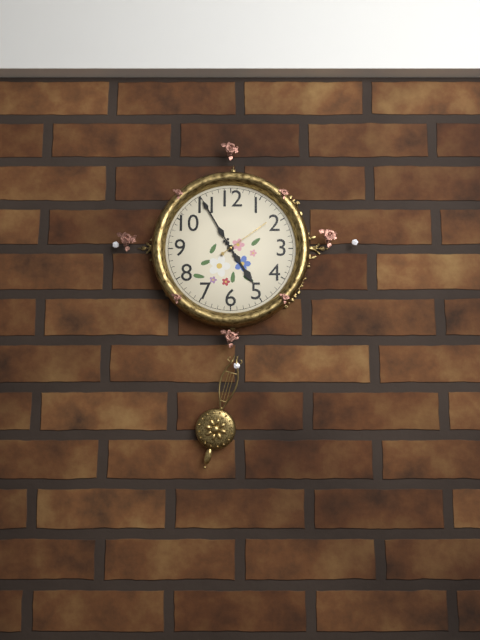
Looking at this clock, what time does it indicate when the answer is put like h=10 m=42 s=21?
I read h=4 m=55 s=9
